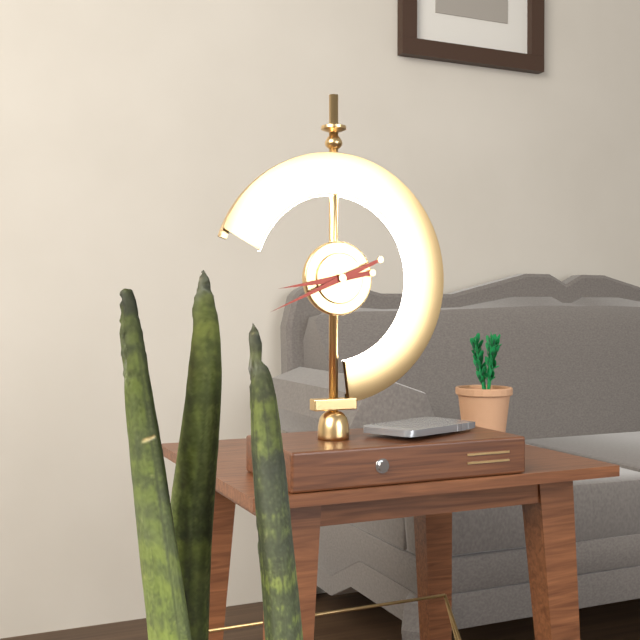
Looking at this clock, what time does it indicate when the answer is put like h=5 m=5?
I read h=8 m=41
